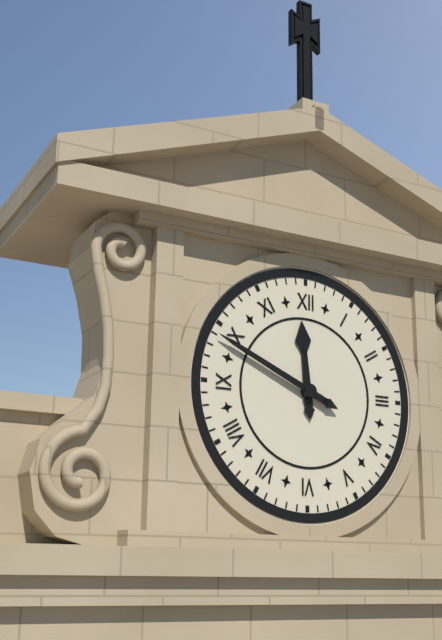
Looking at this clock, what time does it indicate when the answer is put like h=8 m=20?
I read h=11 m=49
